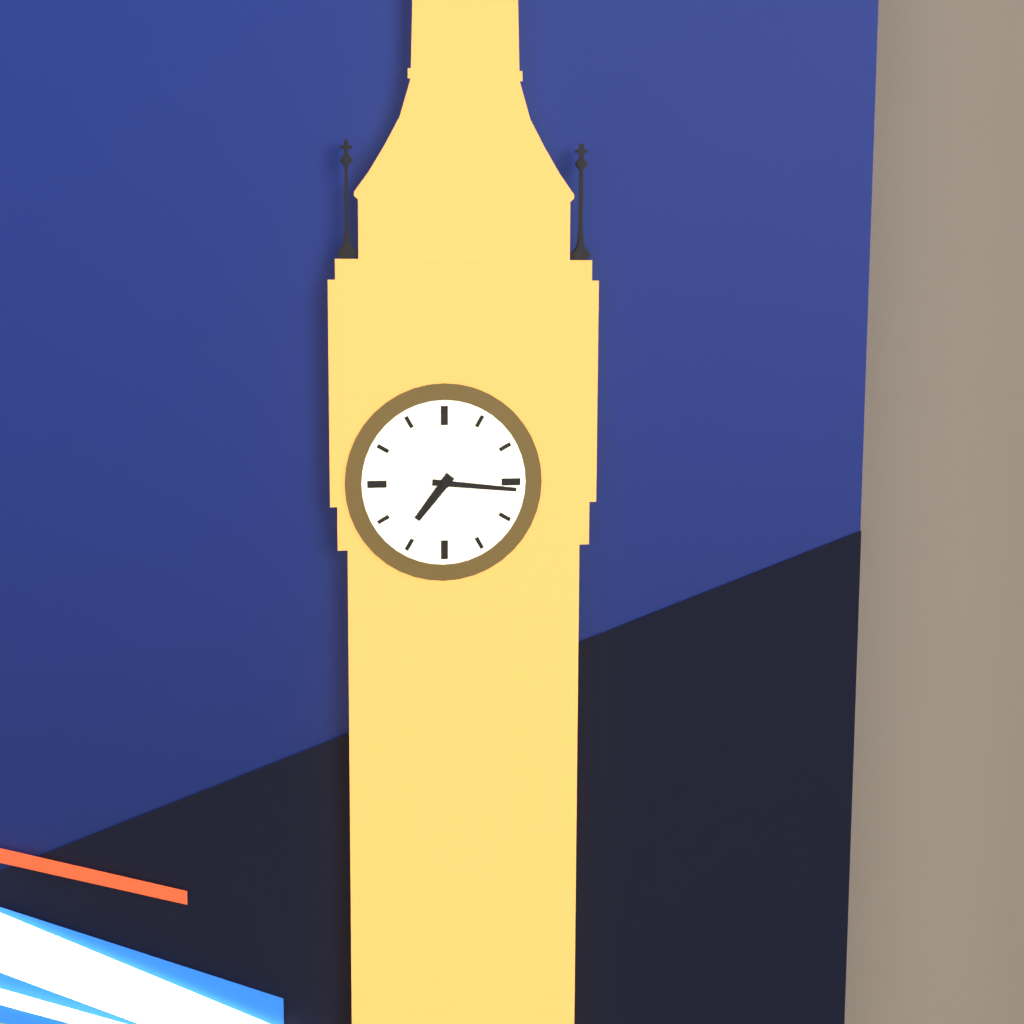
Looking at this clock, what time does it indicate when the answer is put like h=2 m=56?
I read h=7 m=16
